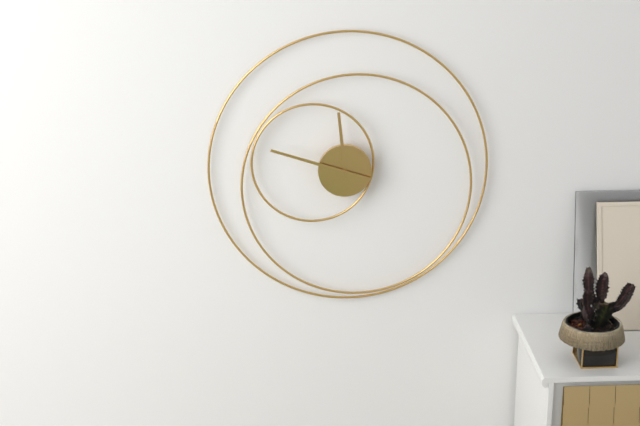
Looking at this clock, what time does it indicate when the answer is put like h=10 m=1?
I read h=11 m=48
